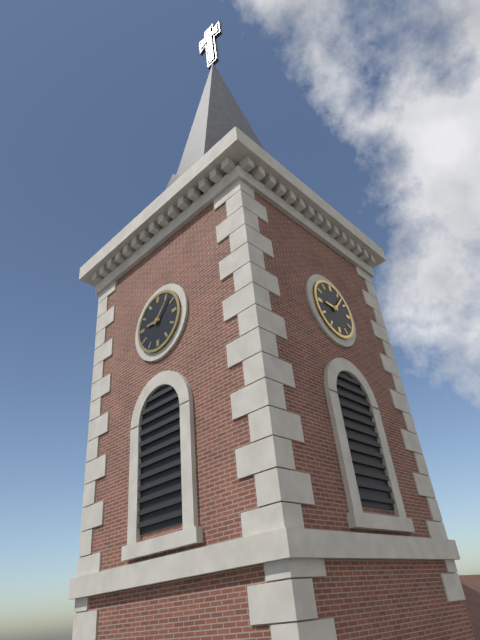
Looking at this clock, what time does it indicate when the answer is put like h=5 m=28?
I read h=9 m=7
